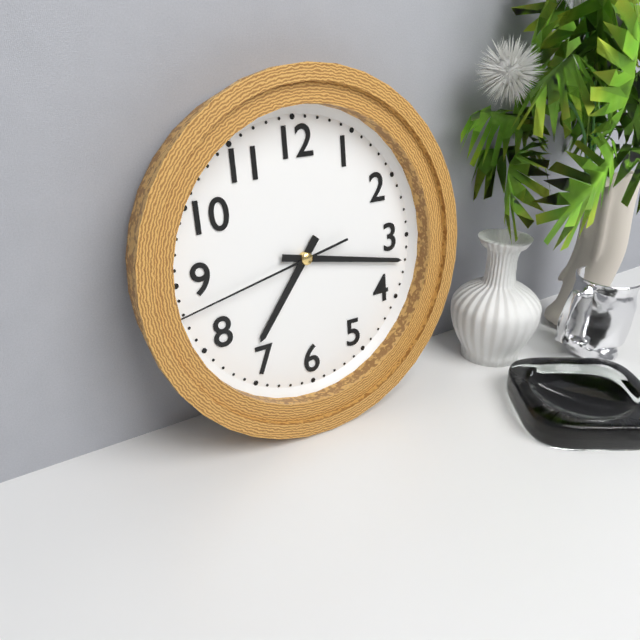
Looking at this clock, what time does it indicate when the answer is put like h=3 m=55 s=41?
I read h=7 m=17 s=43
